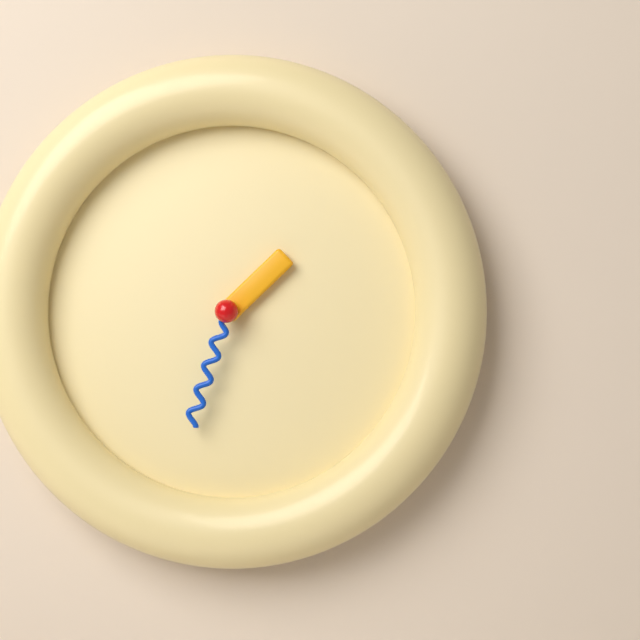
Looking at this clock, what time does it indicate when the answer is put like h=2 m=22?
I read h=1 m=33
